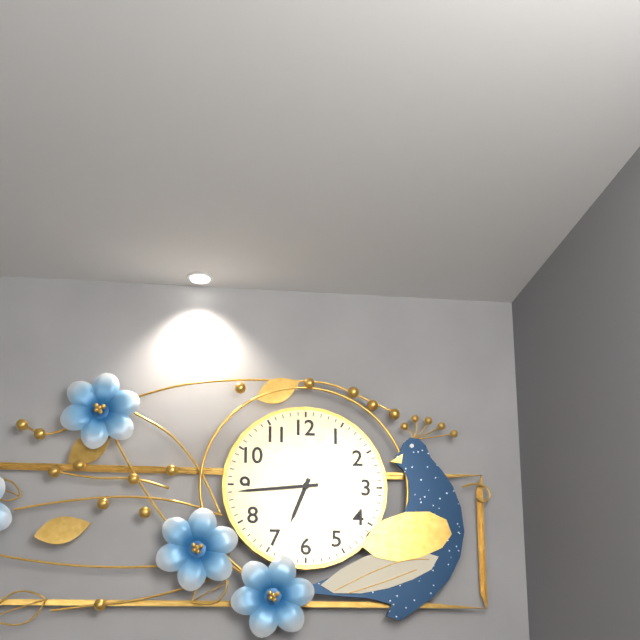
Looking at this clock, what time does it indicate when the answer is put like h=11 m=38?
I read h=6 m=44
